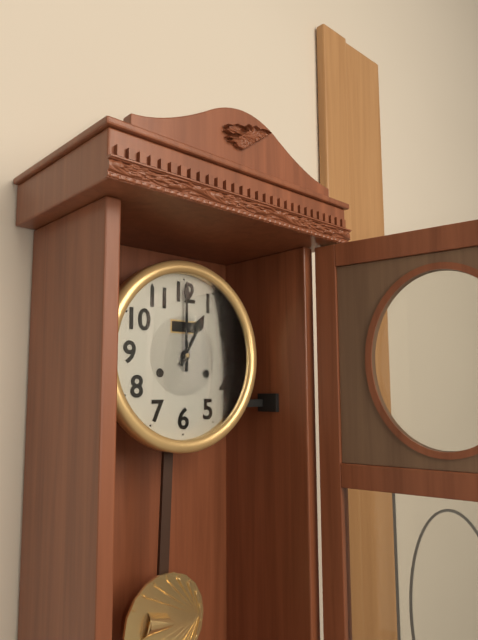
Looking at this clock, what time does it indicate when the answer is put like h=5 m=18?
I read h=1 m=0
